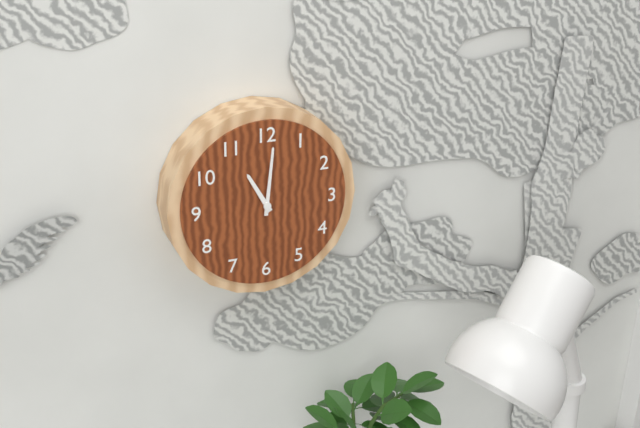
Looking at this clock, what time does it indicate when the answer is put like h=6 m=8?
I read h=11 m=1
